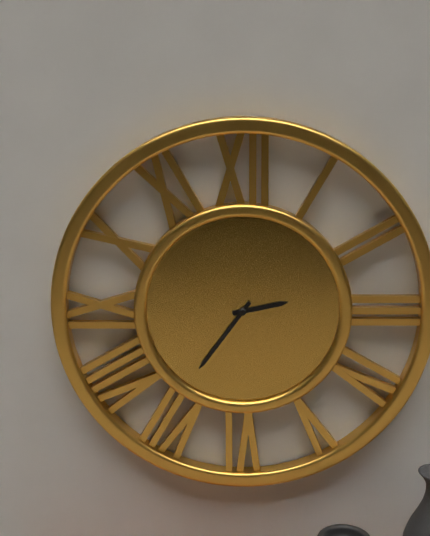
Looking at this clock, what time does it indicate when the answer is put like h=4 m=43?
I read h=2 m=36
